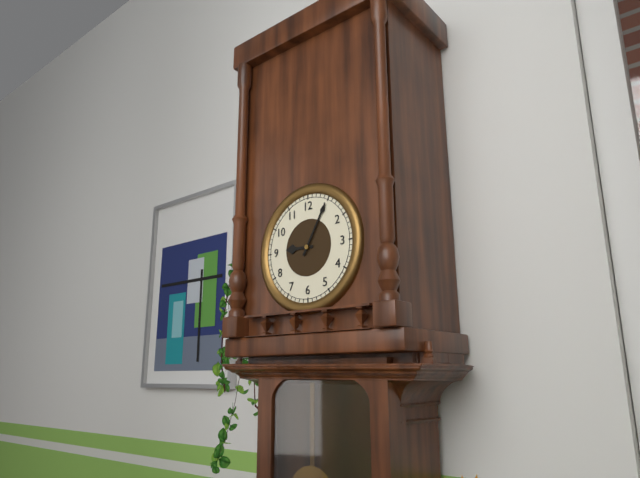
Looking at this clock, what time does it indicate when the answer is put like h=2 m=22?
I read h=9 m=5
